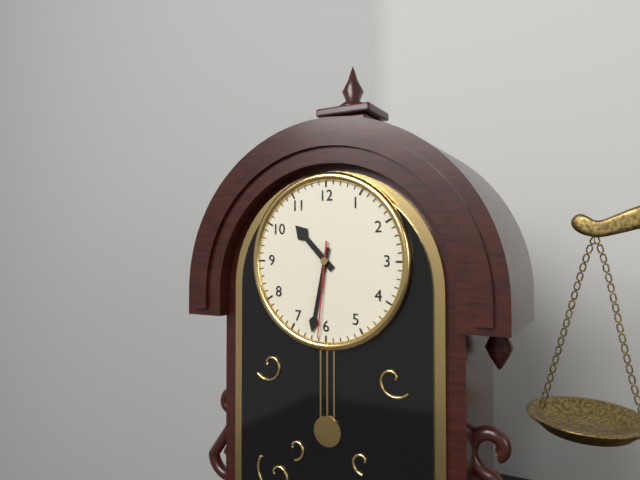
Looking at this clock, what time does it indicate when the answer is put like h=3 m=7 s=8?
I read h=10 m=32 s=31
